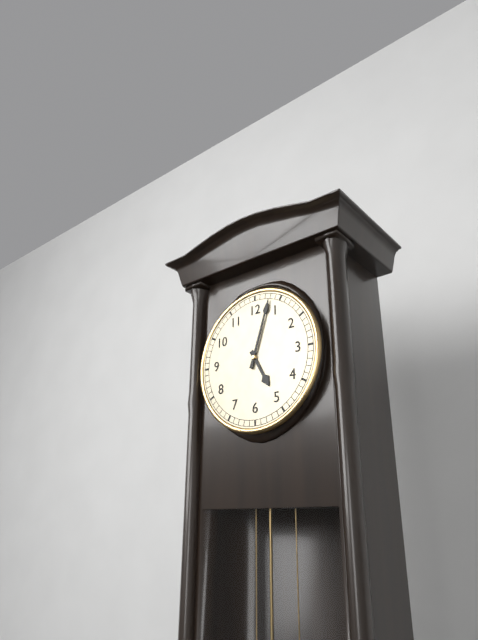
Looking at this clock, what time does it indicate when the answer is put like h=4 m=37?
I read h=5 m=3
